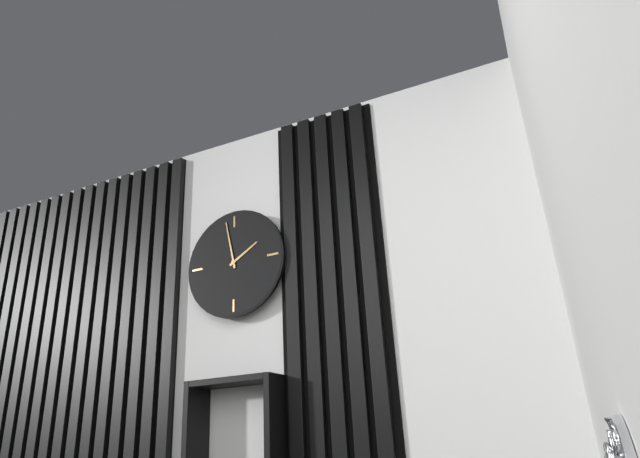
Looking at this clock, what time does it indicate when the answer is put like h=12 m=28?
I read h=1 m=58
